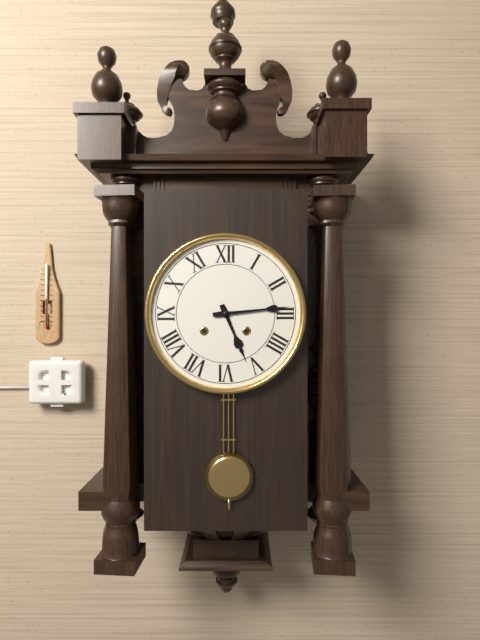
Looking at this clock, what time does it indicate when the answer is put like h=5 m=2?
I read h=5 m=14
